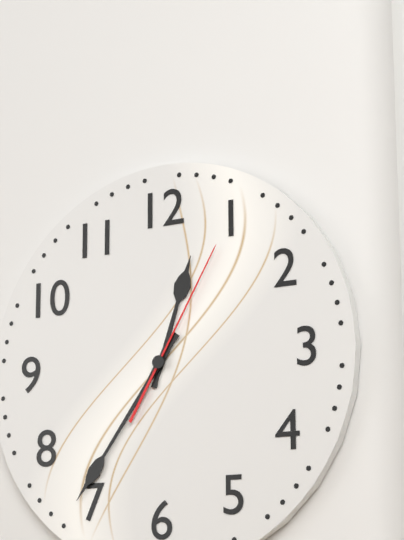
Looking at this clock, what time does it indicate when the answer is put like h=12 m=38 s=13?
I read h=12 m=36 s=5
